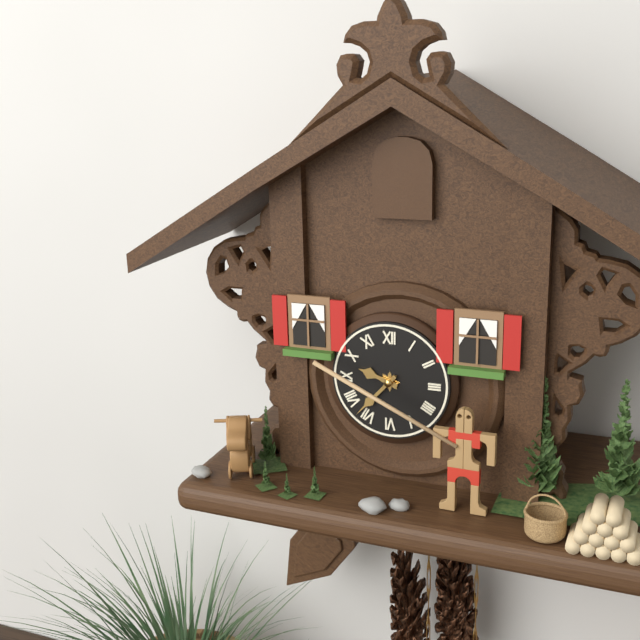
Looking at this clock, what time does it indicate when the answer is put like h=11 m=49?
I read h=9 m=37
